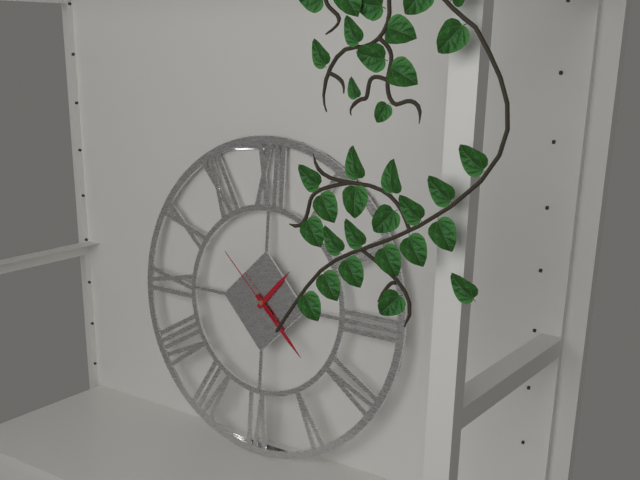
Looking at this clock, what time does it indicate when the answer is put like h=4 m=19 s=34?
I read h=1 m=22 s=52
